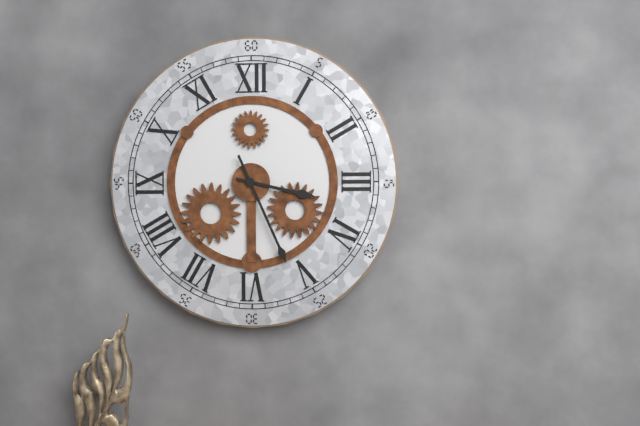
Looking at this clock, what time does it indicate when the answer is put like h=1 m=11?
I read h=3 m=26
